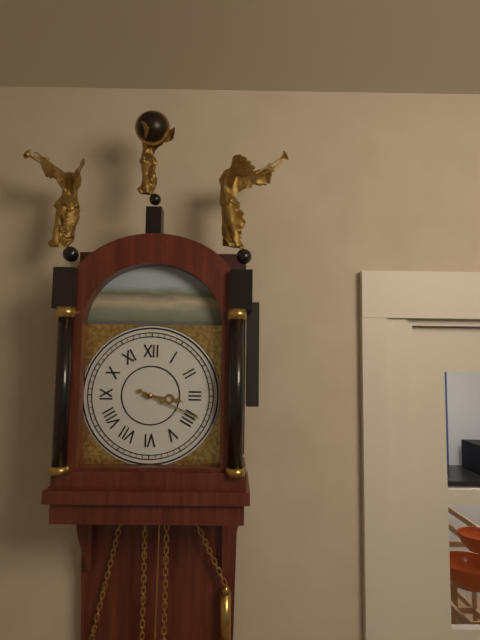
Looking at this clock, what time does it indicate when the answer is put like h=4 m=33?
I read h=3 m=19
